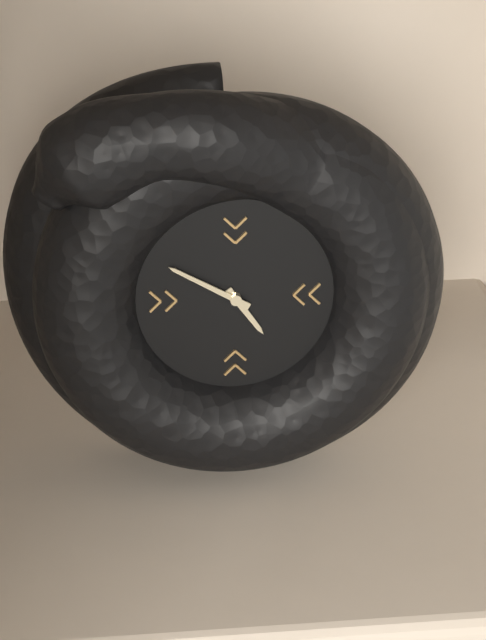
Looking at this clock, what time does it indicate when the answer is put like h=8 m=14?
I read h=4 m=50
